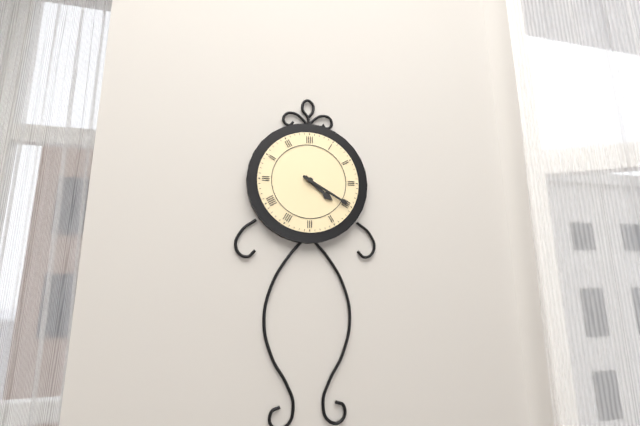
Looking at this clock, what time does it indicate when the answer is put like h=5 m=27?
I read h=4 m=20
